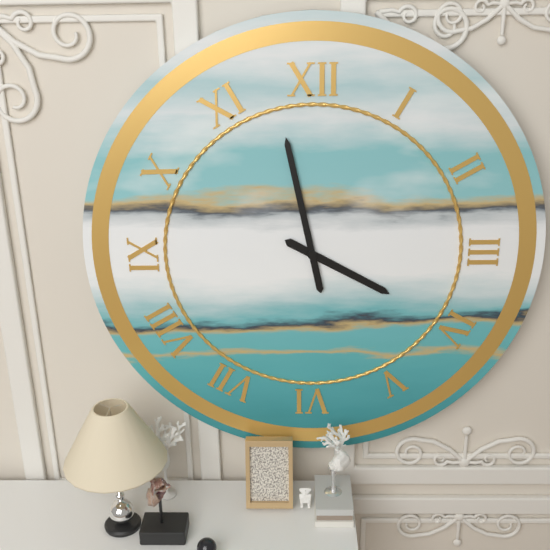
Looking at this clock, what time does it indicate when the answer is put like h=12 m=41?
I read h=3 m=58
